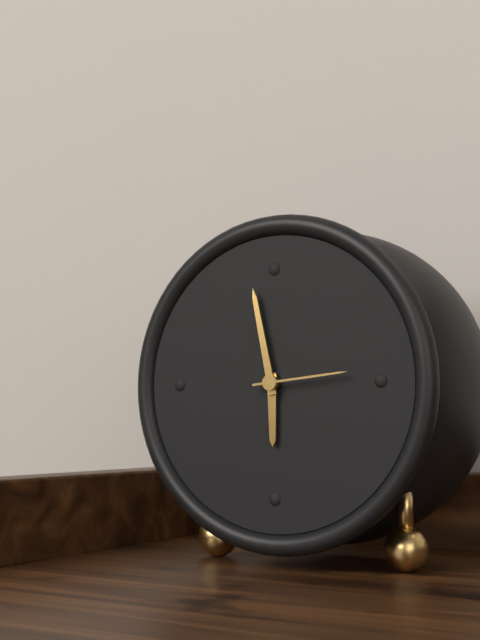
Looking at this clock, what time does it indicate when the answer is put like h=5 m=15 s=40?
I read h=5 m=58 s=14
